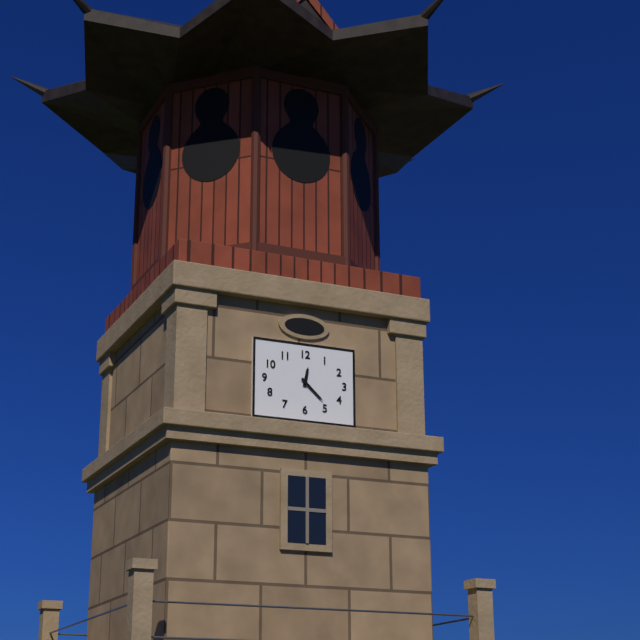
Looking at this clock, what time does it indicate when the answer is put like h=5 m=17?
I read h=12 m=22
